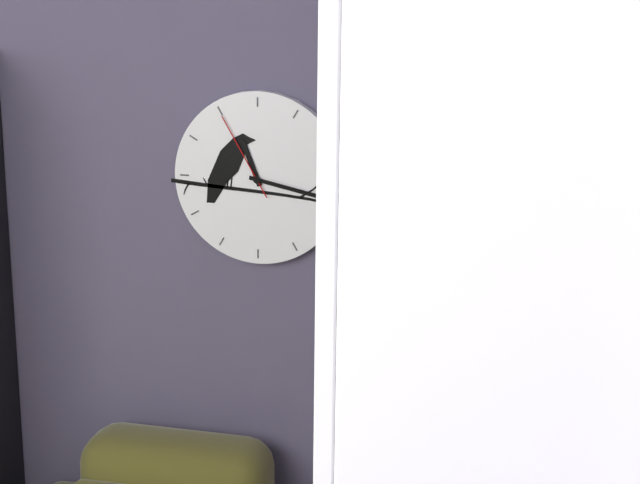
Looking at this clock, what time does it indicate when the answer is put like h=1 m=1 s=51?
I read h=11 m=17 s=55
